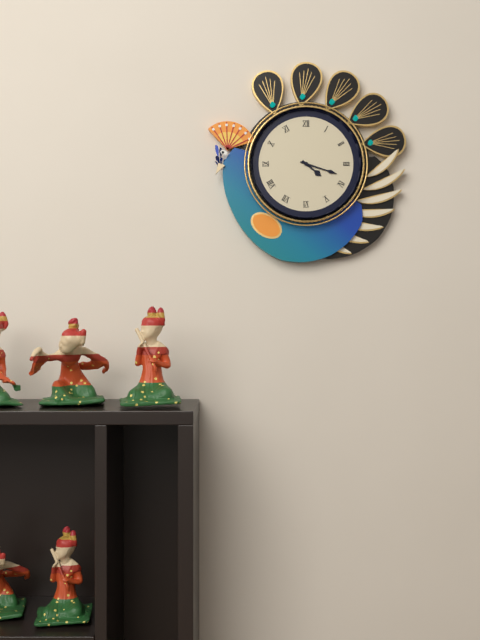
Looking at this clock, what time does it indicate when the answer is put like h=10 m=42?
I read h=4 m=18
